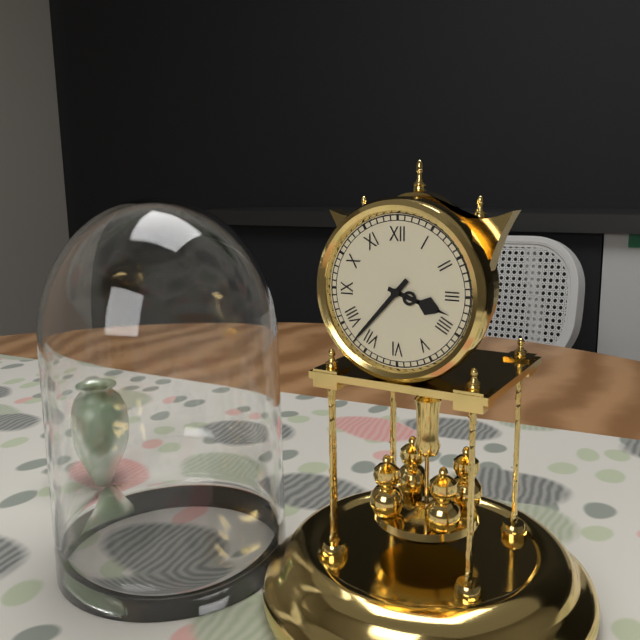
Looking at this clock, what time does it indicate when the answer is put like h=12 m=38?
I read h=3 m=37
